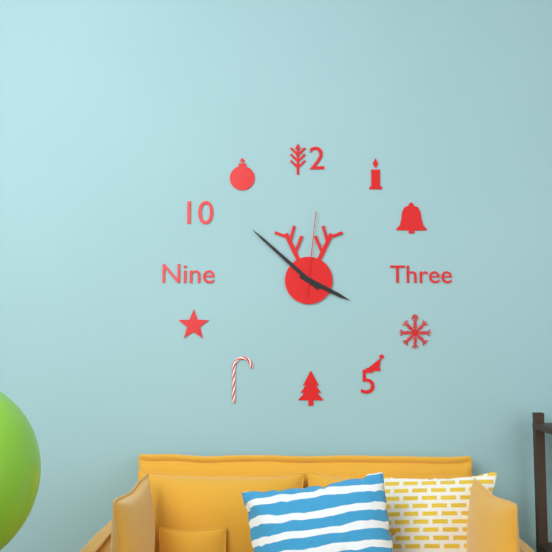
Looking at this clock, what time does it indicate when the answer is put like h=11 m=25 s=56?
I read h=3 m=52 s=1
